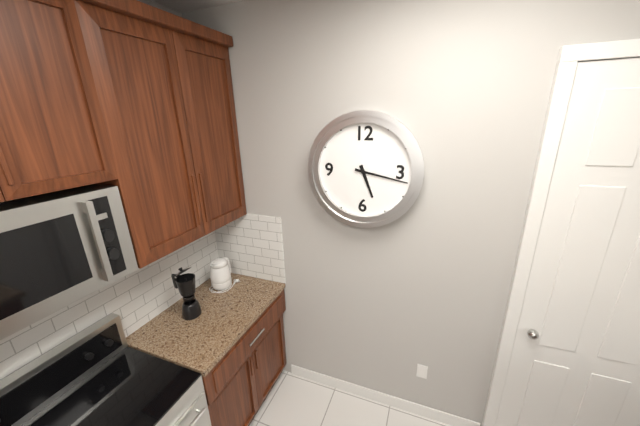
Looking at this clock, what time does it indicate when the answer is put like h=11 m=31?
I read h=5 m=17
